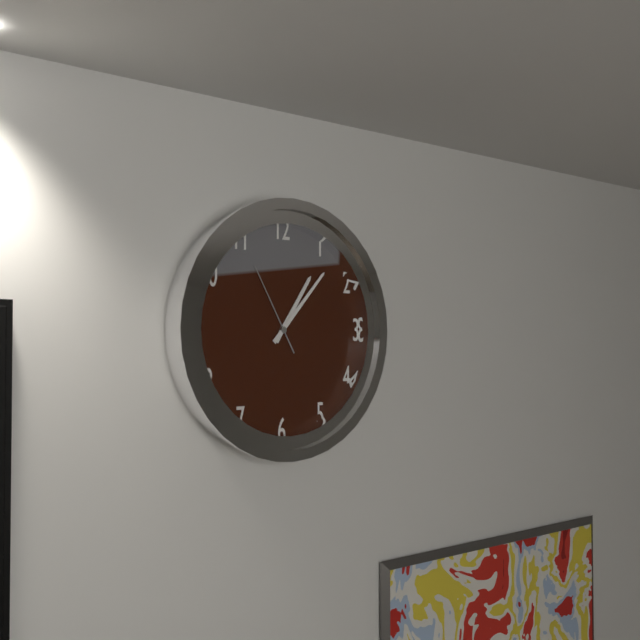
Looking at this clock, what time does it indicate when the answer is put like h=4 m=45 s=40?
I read h=1 m=7 s=55
